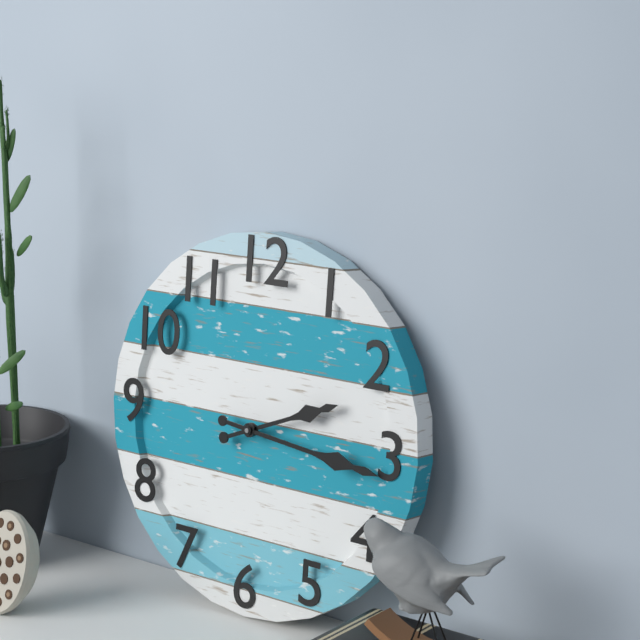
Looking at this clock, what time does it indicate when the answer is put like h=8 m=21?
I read h=2 m=16
